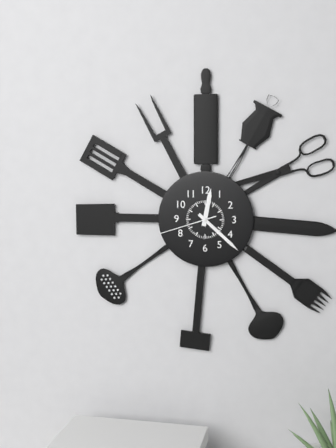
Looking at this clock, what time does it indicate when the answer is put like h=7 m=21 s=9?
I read h=12 m=22 s=42
